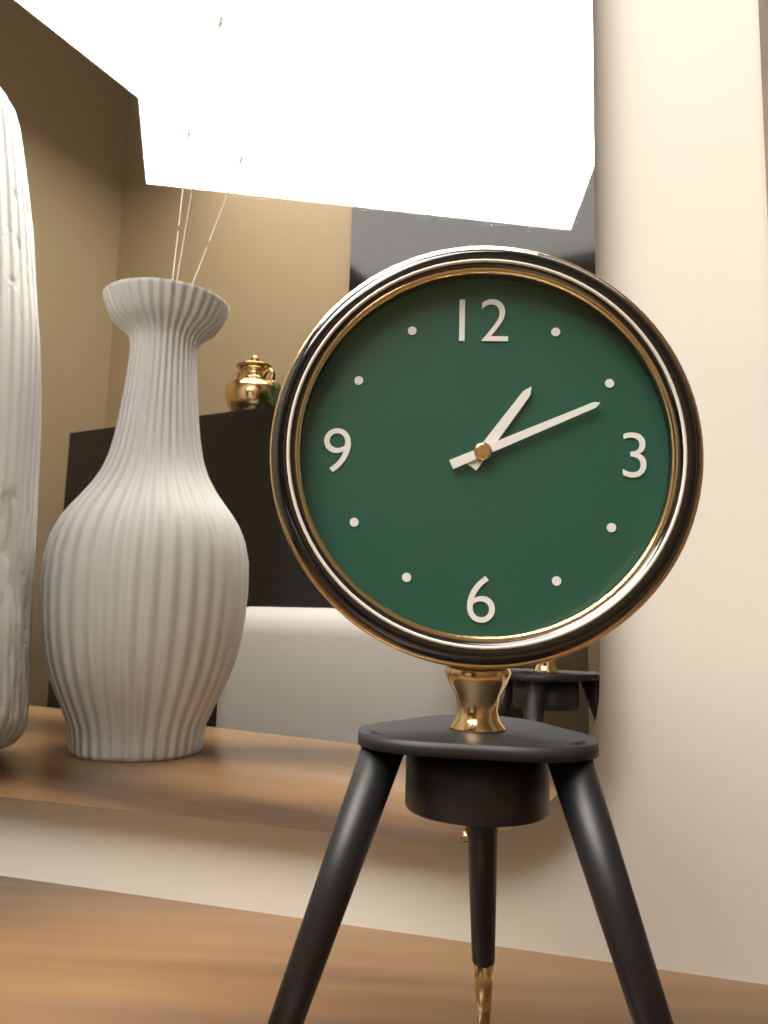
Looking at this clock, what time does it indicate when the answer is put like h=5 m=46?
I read h=1 m=11
